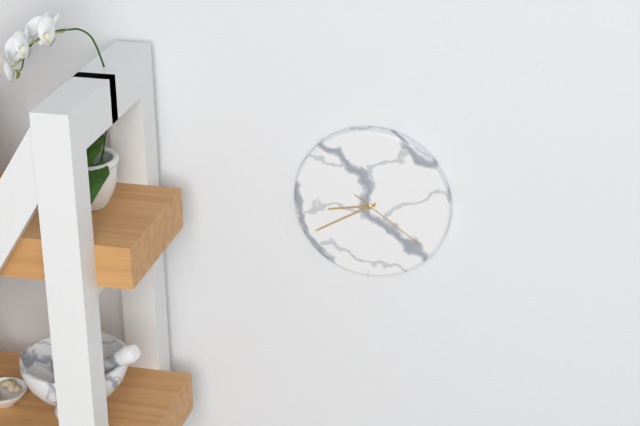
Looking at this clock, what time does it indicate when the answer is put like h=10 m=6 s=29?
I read h=8 m=40 s=21
